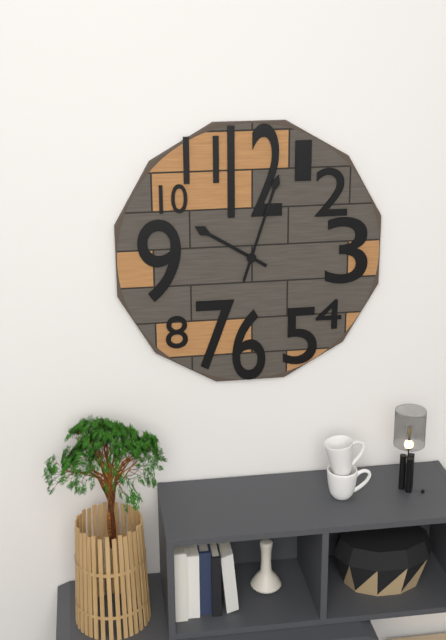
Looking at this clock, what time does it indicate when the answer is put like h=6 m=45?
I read h=10 m=3
